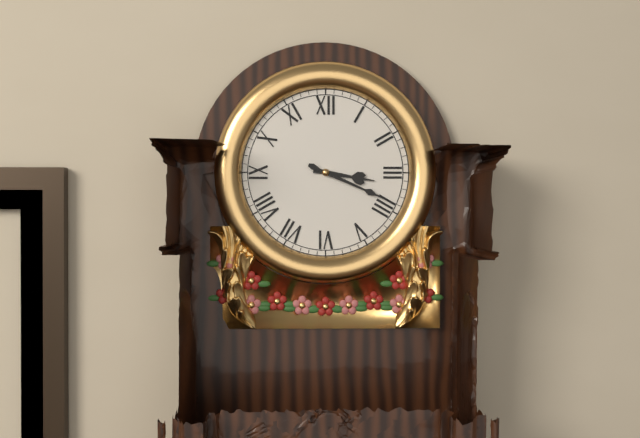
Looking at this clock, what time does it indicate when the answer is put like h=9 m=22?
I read h=3 m=19
